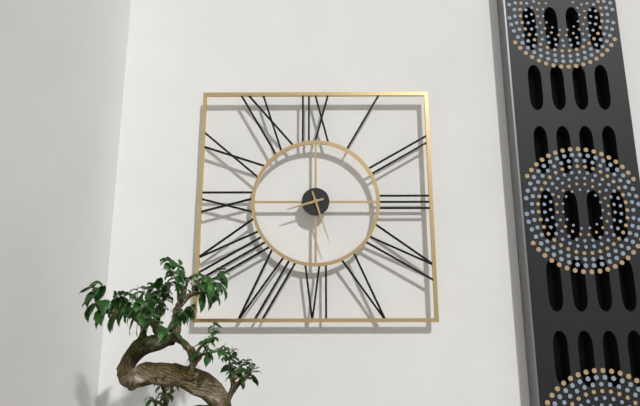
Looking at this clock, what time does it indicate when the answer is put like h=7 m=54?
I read h=8 m=27
